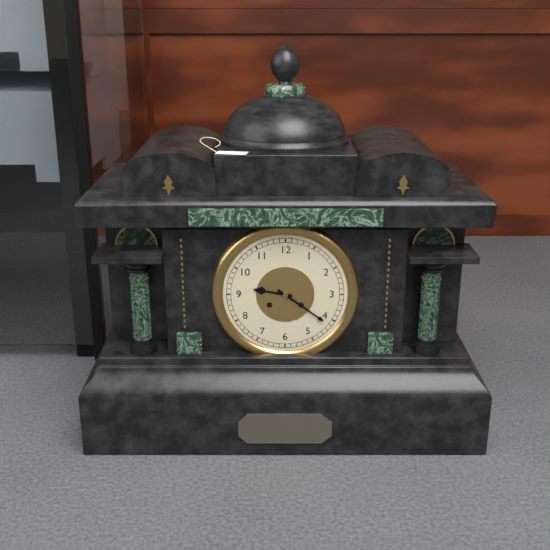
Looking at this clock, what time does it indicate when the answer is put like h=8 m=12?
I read h=9 m=21
